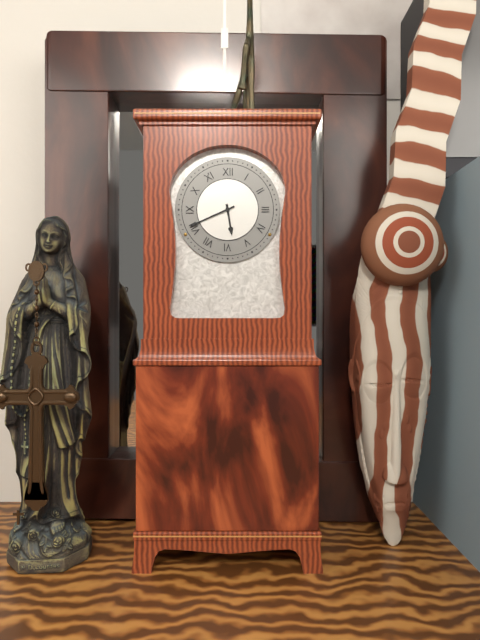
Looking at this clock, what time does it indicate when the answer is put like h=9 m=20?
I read h=5 m=41
